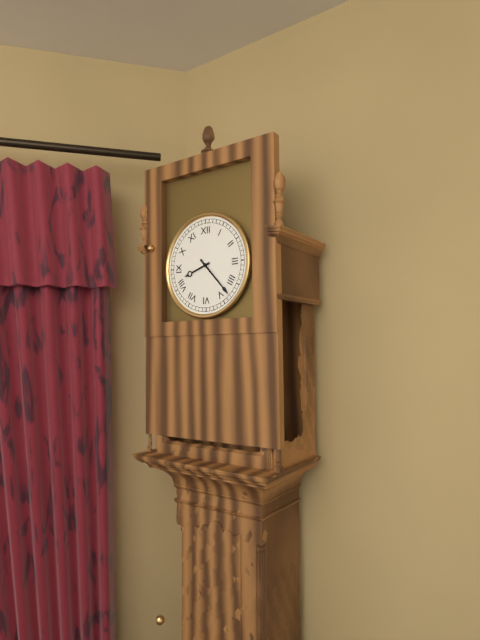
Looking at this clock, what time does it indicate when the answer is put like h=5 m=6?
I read h=8 m=23
